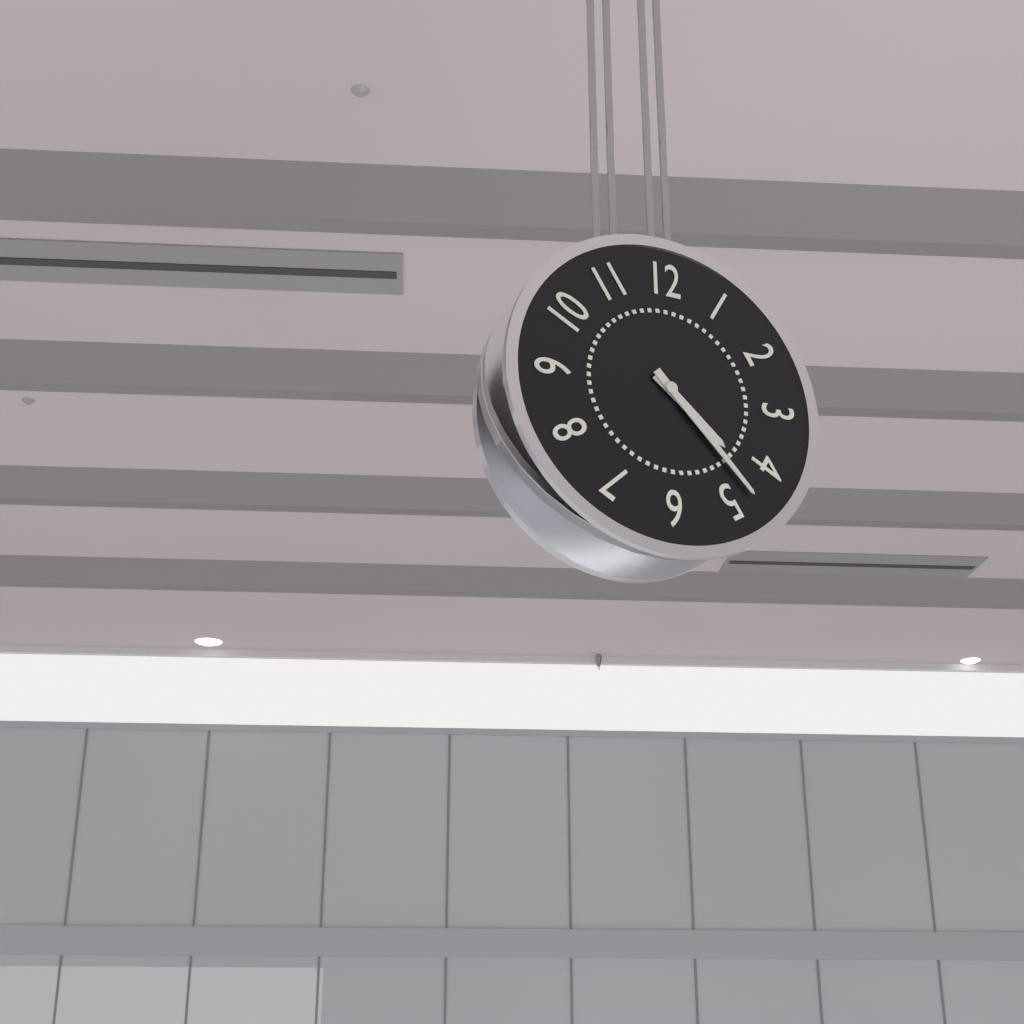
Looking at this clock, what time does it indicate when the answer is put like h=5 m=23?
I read h=4 m=23
